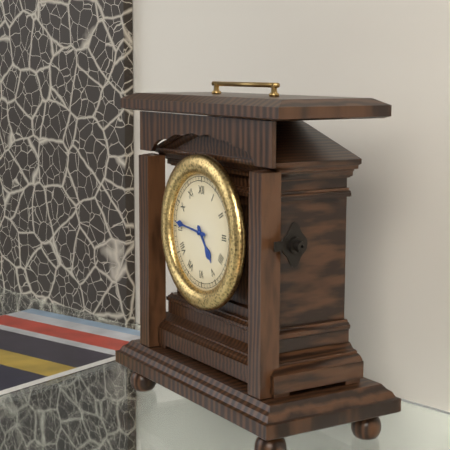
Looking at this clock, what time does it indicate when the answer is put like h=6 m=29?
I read h=4 m=46
